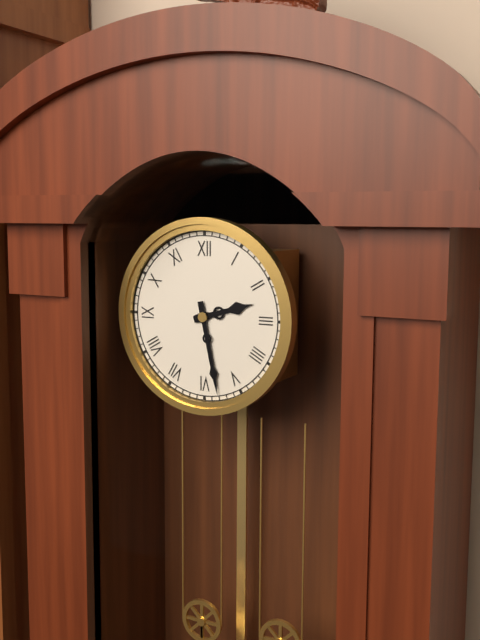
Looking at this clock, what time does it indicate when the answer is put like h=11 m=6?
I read h=2 m=28
